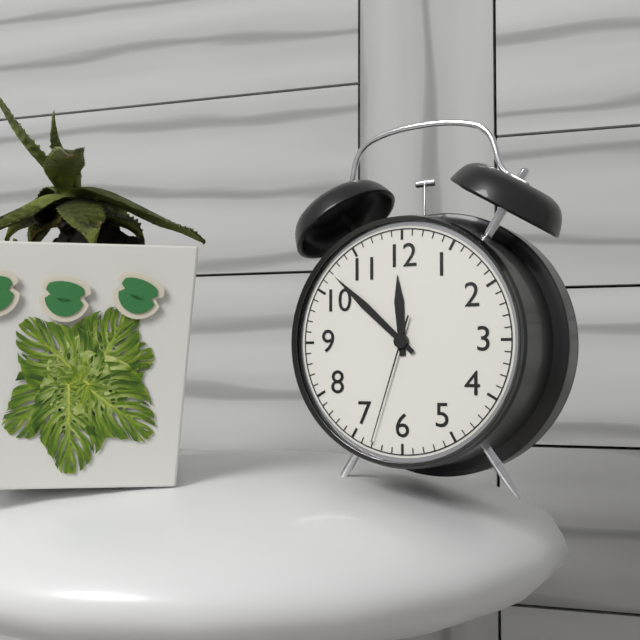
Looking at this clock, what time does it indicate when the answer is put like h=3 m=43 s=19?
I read h=11 m=52 s=33
